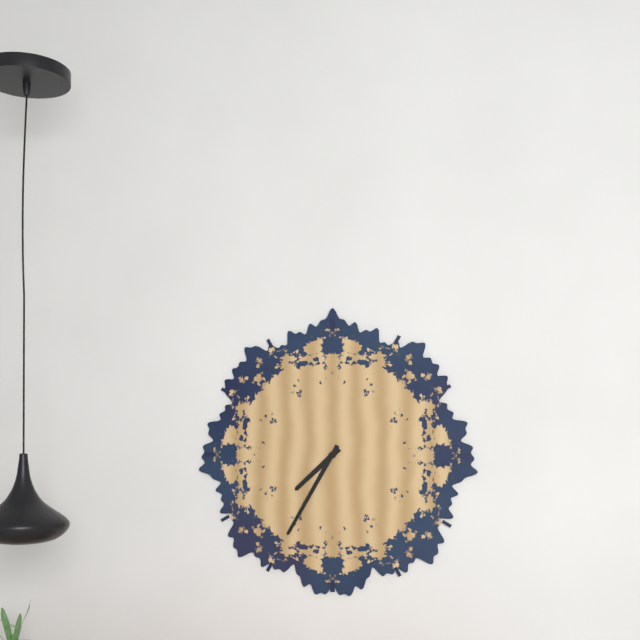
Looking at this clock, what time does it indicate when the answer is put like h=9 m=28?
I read h=7 m=35
